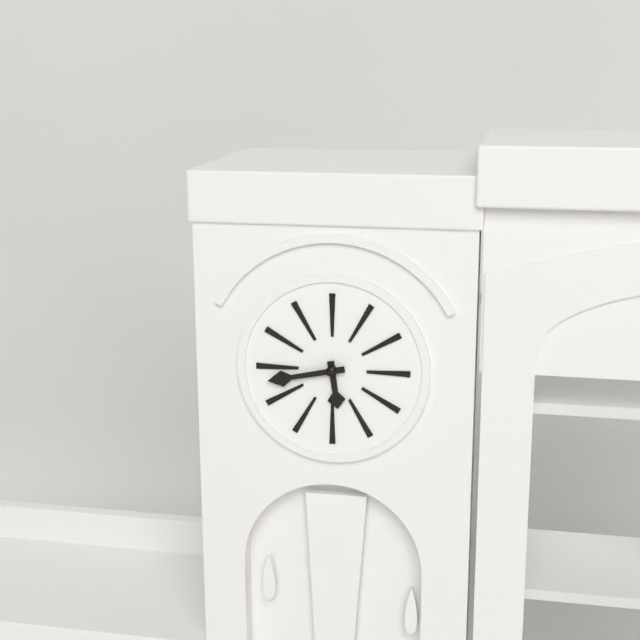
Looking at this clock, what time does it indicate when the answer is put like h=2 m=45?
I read h=5 m=43
